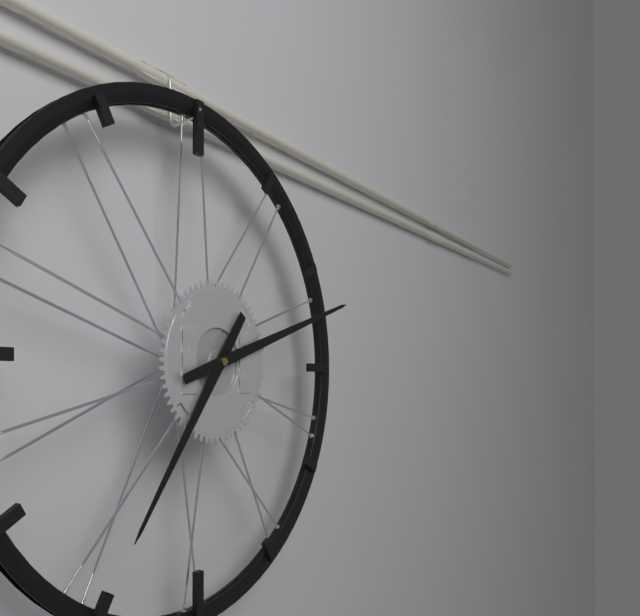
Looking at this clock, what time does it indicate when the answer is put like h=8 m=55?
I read h=7 m=12
